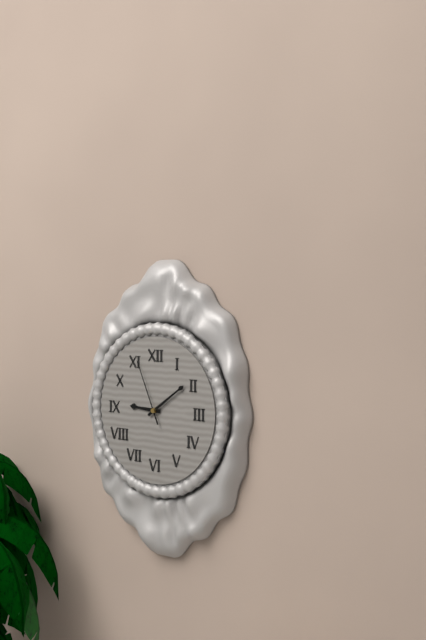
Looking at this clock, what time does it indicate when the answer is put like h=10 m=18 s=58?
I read h=9 m=9 s=56
